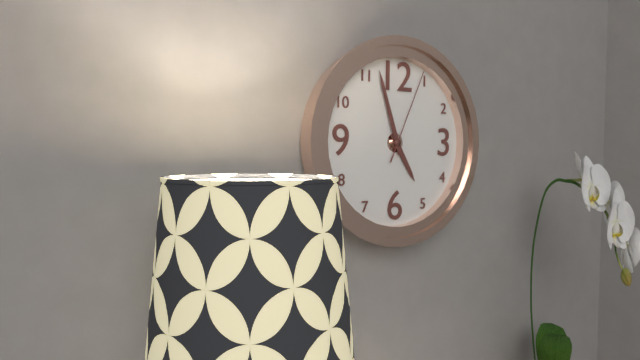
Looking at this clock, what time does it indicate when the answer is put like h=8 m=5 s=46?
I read h=4 m=57 s=4
